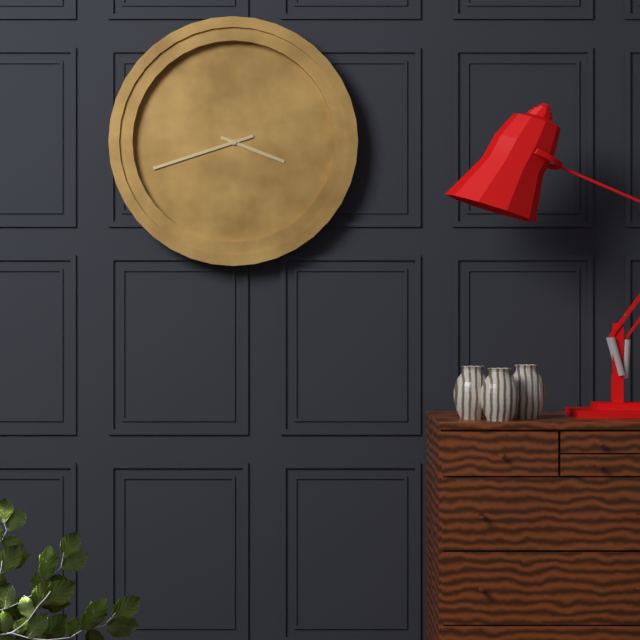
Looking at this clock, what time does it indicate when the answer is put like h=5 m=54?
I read h=3 m=42
